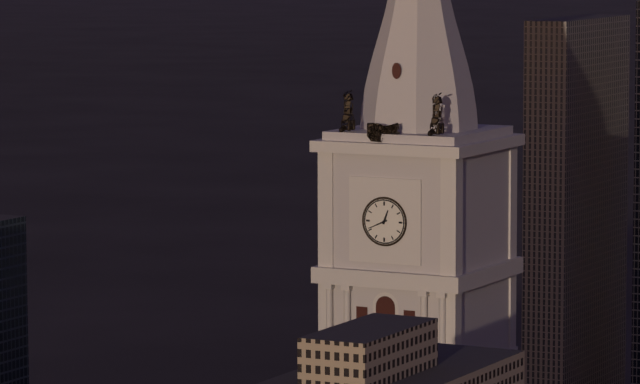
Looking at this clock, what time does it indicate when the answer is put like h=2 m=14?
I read h=12 m=41
